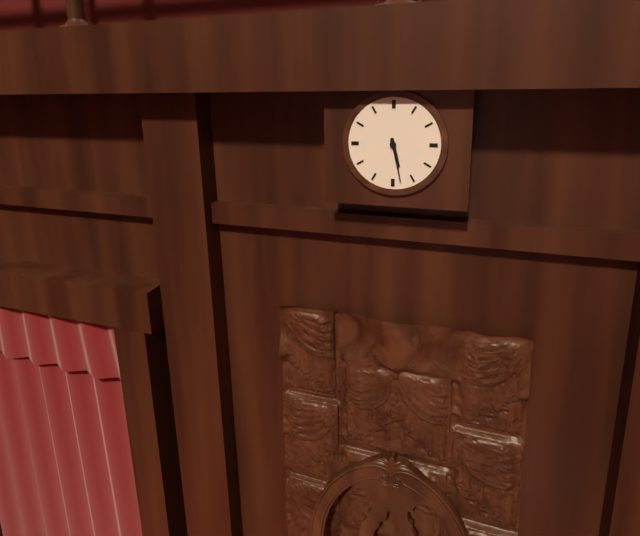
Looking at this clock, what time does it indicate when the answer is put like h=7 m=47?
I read h=5 m=28
